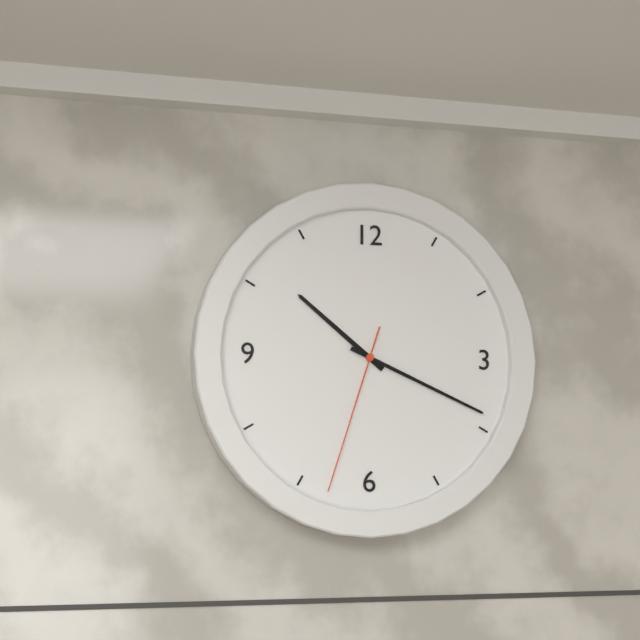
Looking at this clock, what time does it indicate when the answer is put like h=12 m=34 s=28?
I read h=10 m=19 s=33
